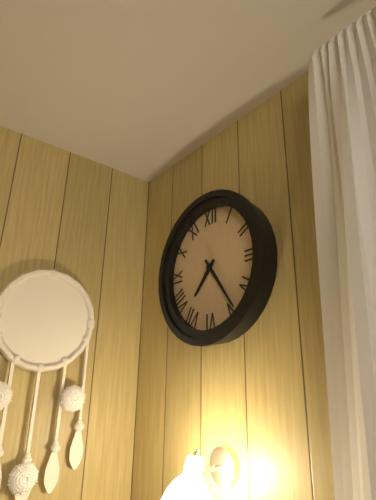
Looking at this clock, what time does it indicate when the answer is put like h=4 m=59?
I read h=7 m=24
